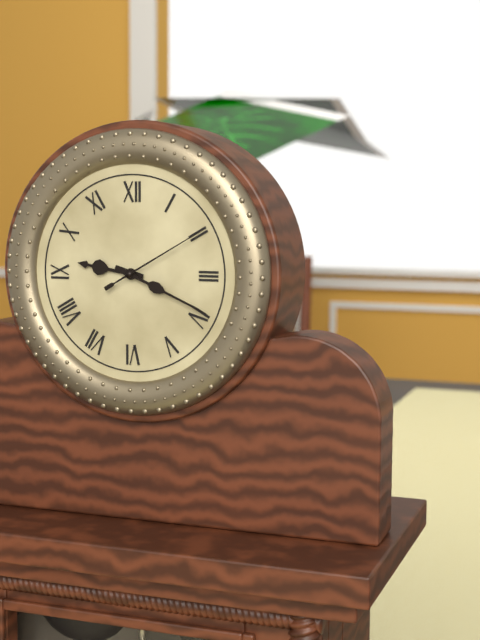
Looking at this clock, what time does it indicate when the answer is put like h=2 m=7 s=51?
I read h=9 m=19 s=10
